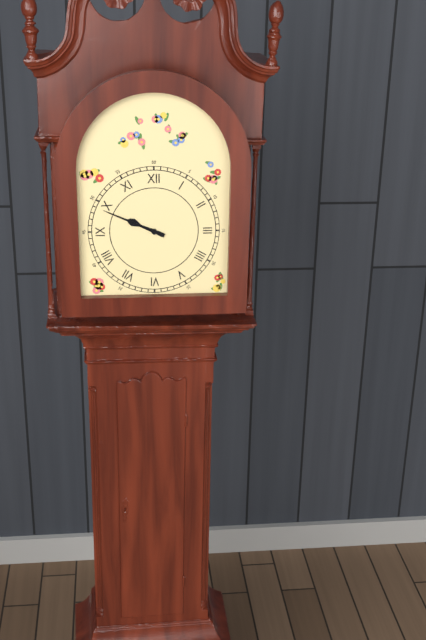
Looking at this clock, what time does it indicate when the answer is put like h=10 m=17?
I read h=9 m=49
